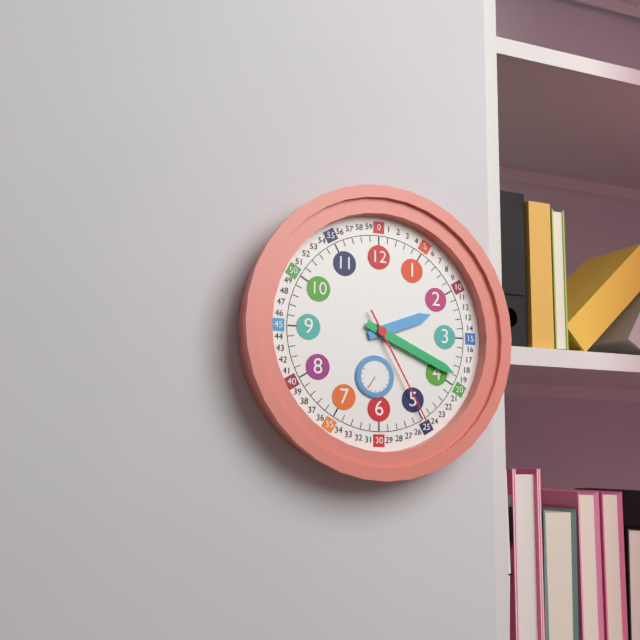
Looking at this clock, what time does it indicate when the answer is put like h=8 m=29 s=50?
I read h=2 m=19 s=25
